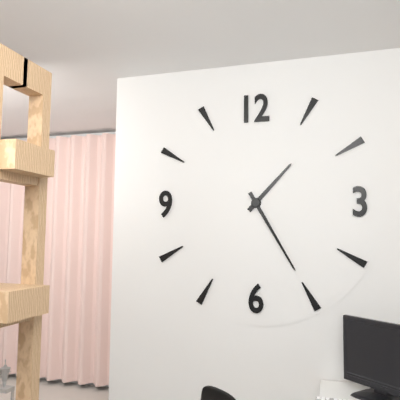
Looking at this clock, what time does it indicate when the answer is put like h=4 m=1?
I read h=1 m=25
